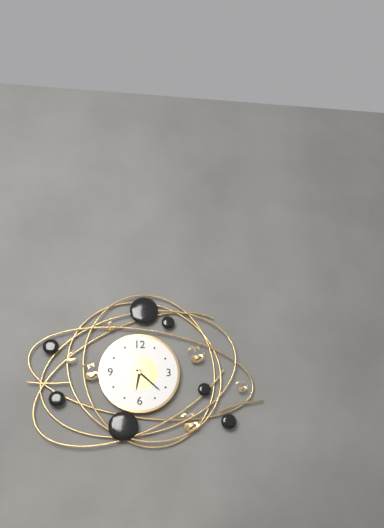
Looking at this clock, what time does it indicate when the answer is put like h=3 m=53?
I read h=6 m=22
